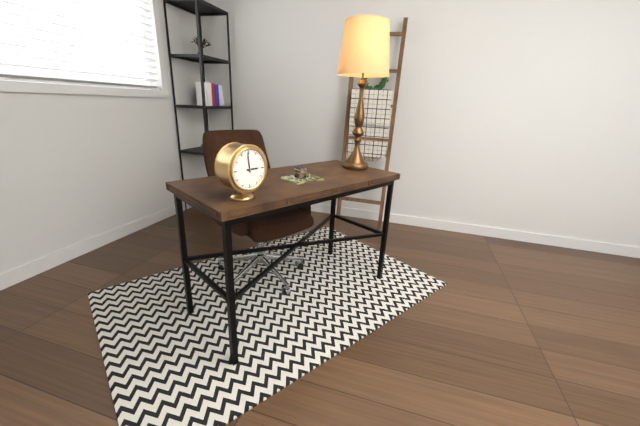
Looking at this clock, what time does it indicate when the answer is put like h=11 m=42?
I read h=2 m=59
